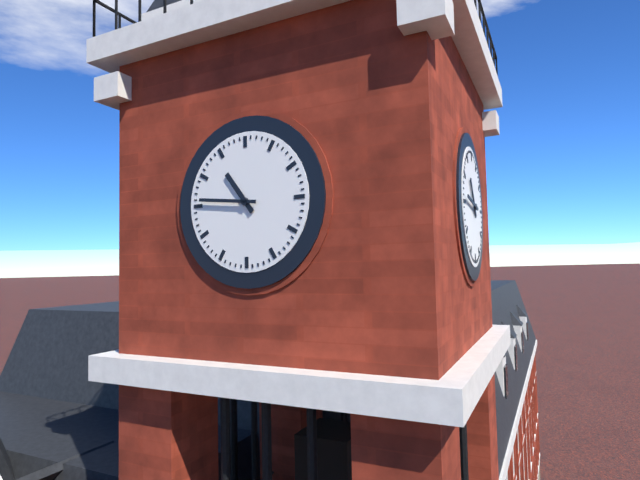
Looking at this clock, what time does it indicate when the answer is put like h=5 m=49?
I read h=10 m=46
